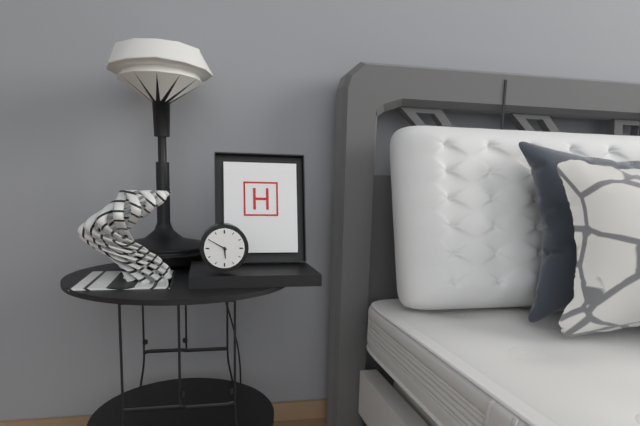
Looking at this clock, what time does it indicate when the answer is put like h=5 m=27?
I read h=5 m=50
